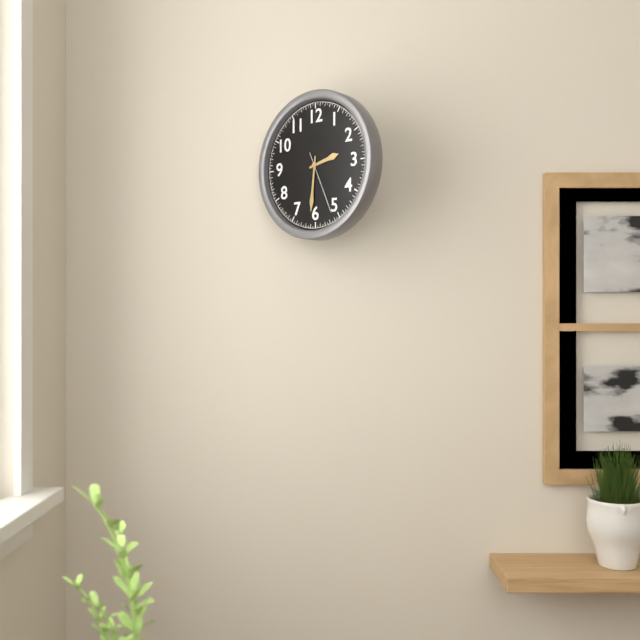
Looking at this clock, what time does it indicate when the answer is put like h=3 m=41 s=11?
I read h=2 m=31 s=26
